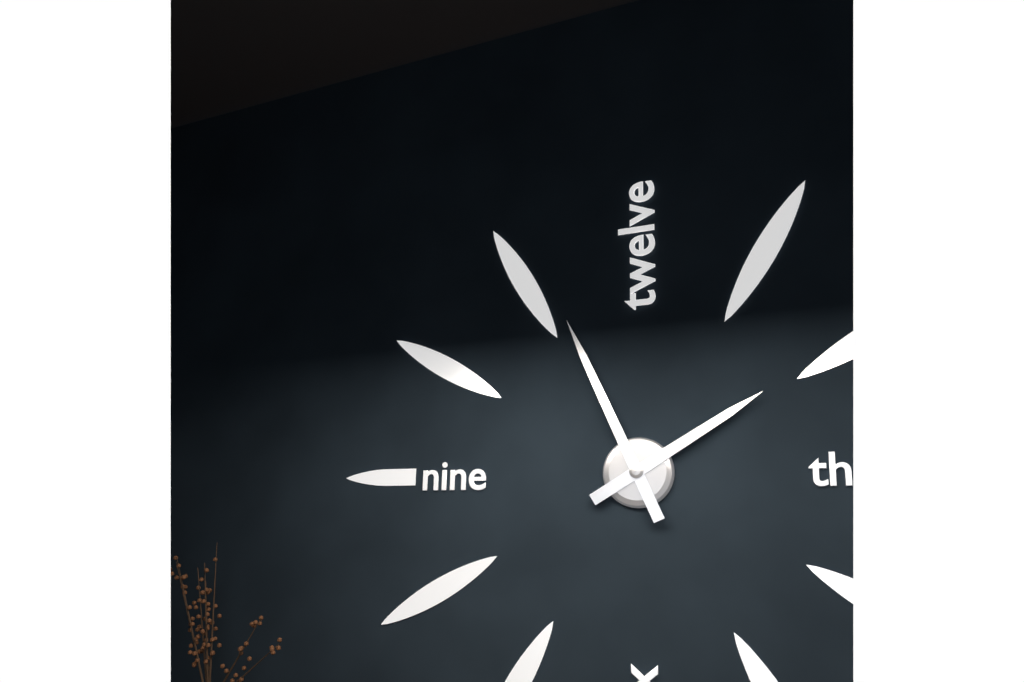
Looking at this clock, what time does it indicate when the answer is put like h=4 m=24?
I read h=1 m=56
